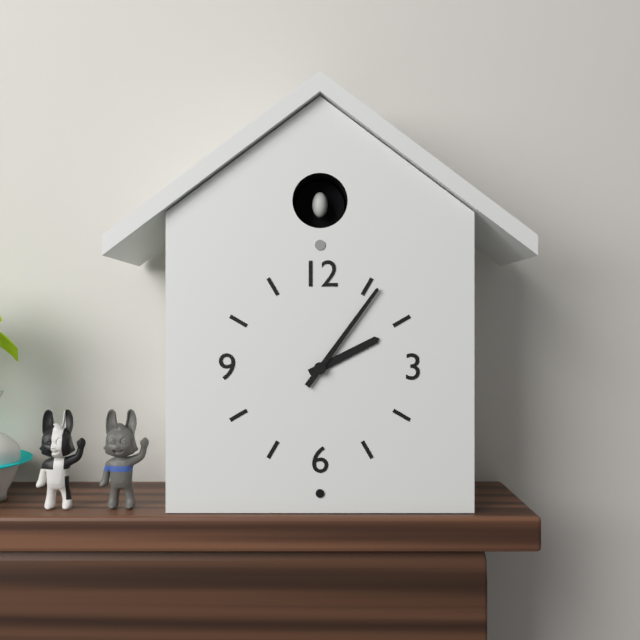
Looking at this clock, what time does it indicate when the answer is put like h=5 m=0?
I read h=2 m=6
